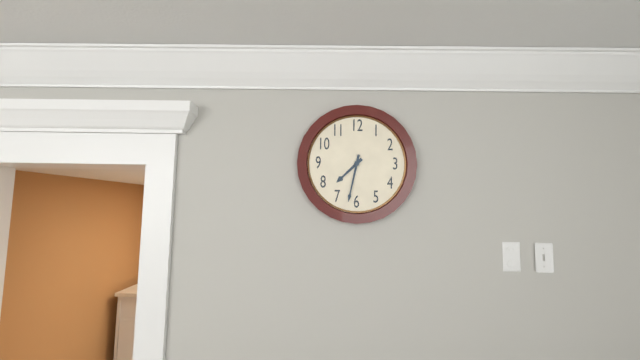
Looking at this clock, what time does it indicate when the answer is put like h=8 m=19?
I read h=7 m=32
